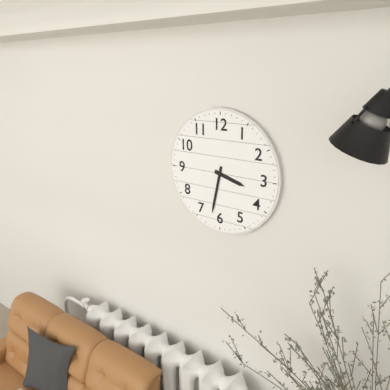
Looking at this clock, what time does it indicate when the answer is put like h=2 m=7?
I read h=3 m=32
